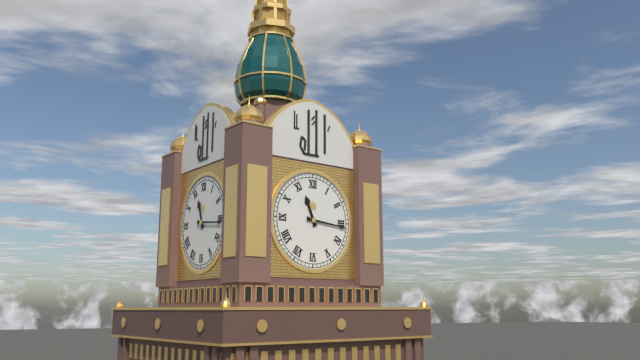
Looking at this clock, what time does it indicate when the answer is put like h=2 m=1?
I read h=11 m=16
